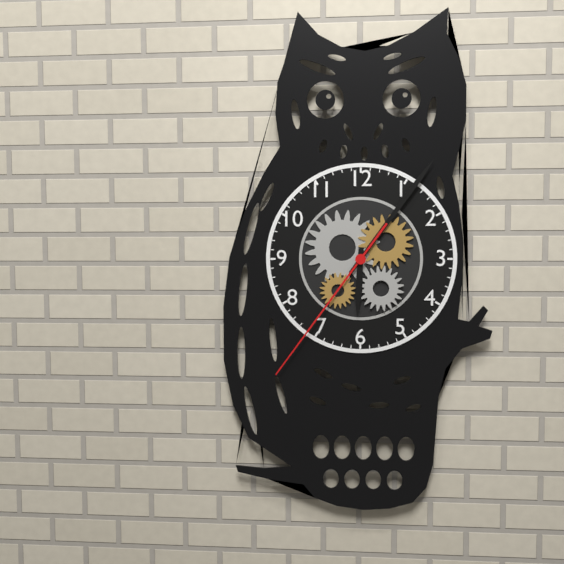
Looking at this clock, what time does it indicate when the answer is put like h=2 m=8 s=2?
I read h=6 m=6 s=36
